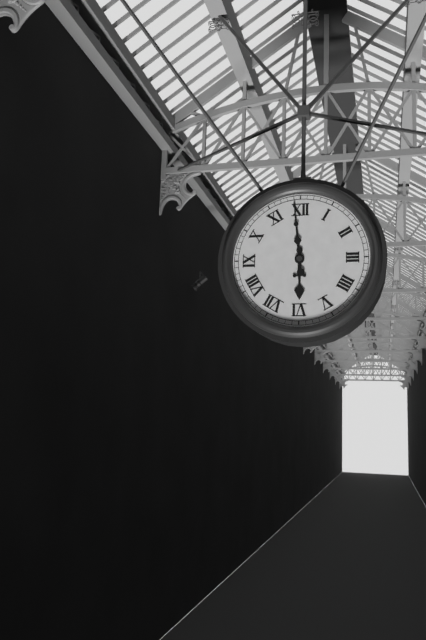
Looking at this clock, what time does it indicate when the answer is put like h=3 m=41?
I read h=5 m=59
